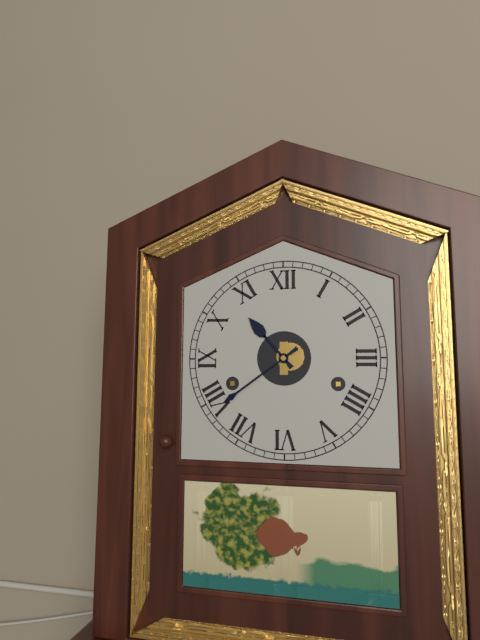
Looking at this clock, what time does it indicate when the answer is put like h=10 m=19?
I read h=10 m=39
